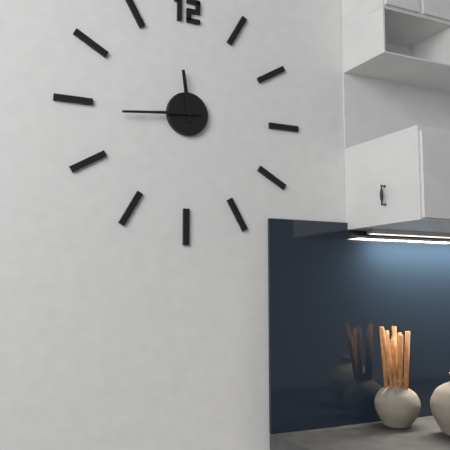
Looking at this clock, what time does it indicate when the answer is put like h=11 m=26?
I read h=11 m=44
